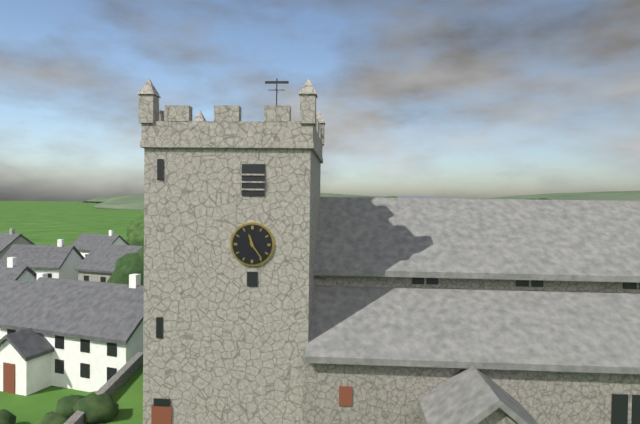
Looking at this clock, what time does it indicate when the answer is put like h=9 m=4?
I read h=11 m=24
